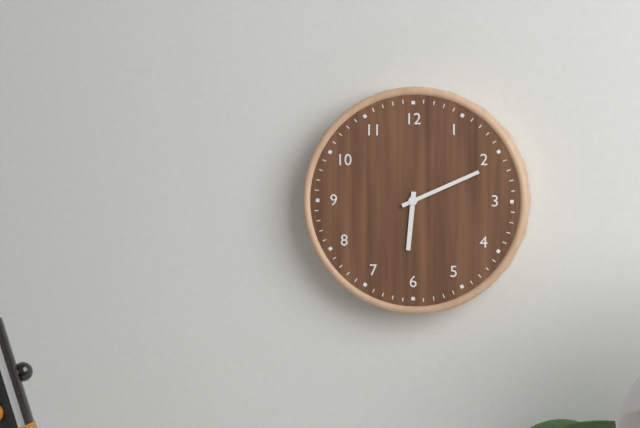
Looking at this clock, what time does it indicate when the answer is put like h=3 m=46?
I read h=6 m=11
